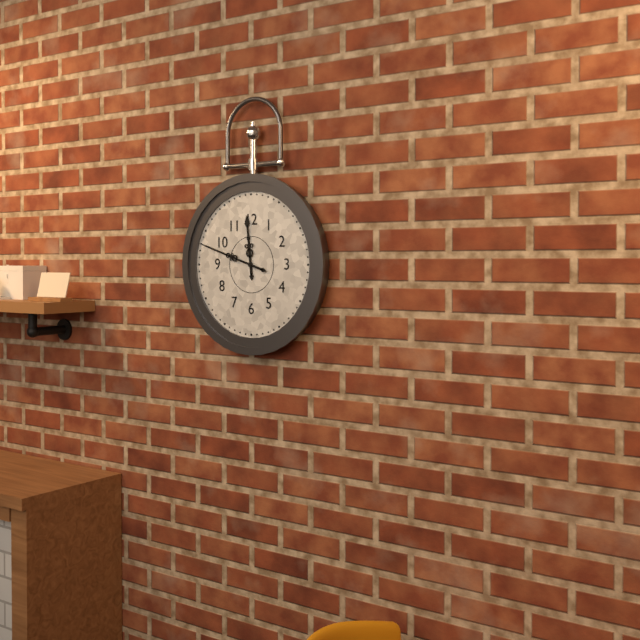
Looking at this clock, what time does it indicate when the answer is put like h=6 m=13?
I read h=11 m=48
